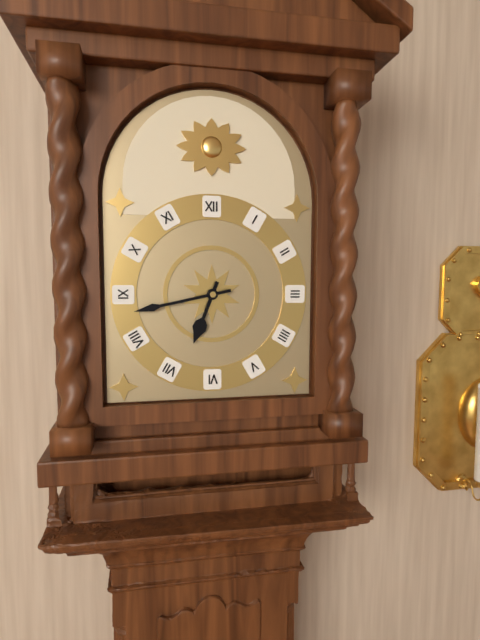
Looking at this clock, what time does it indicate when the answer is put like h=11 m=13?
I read h=6 m=43
